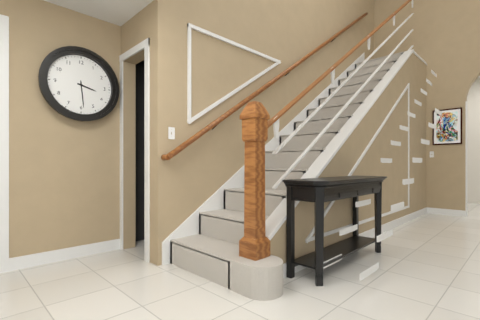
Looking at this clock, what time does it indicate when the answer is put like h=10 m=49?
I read h=3 m=29
